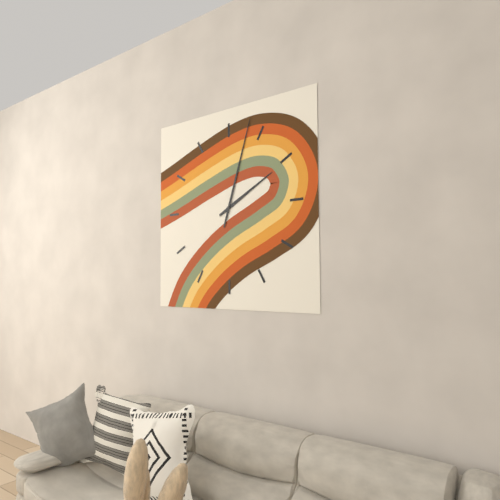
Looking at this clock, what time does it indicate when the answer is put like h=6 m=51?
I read h=2 m=3
